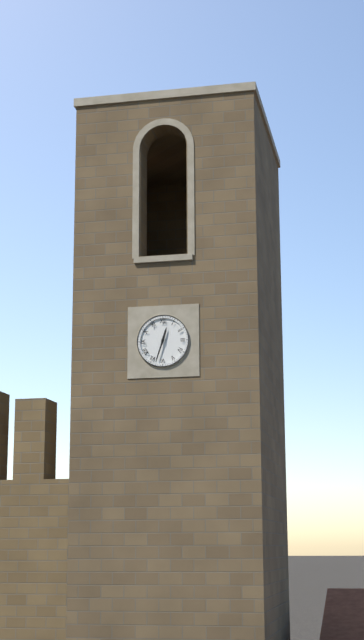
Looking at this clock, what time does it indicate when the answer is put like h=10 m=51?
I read h=12 m=33
